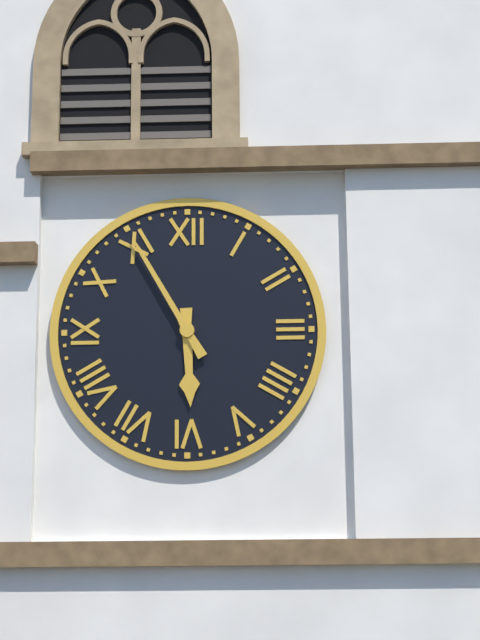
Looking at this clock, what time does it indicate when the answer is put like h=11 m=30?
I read h=5 m=55
